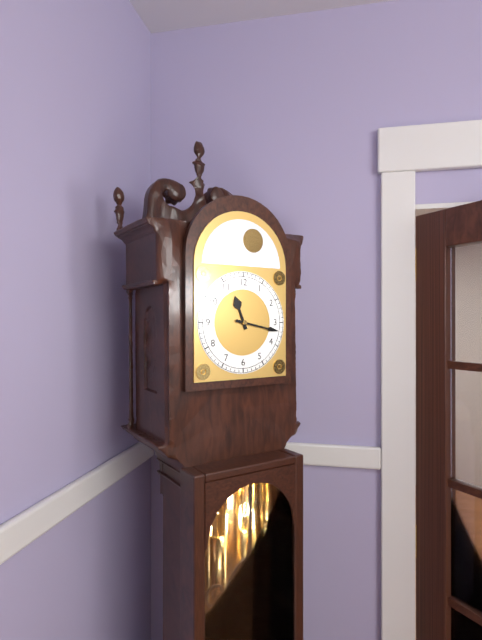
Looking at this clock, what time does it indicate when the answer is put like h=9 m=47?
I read h=11 m=17
